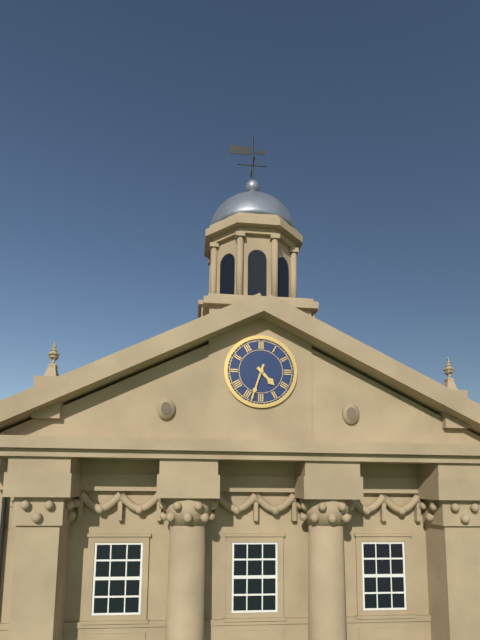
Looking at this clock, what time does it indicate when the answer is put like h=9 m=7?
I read h=4 m=33
